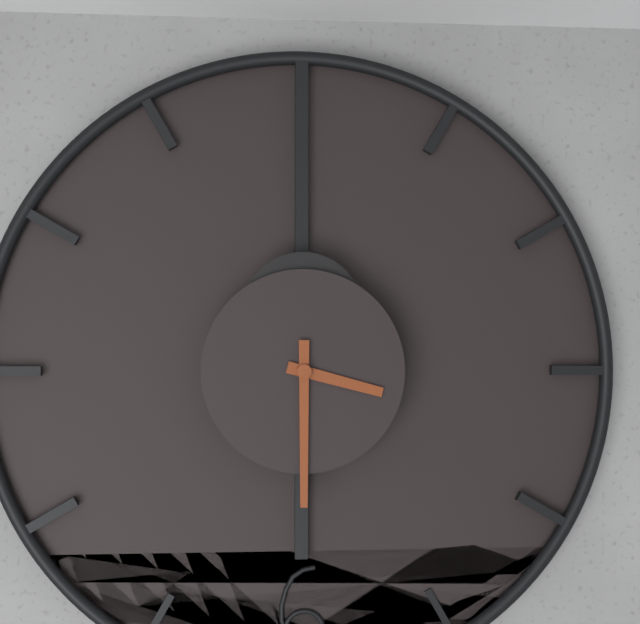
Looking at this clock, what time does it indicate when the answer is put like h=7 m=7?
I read h=3 m=30
